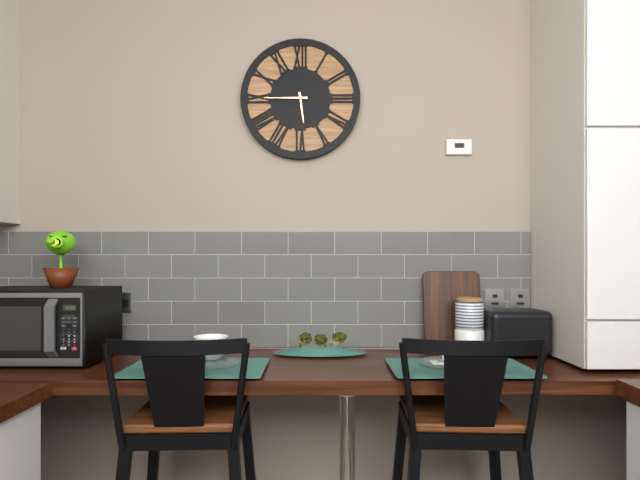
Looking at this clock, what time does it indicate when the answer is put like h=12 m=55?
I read h=5 m=45
